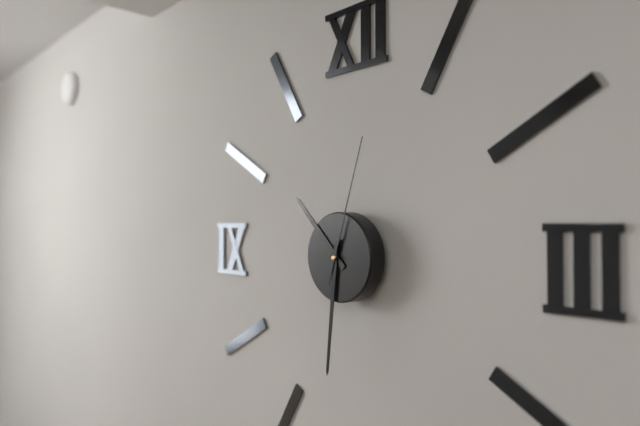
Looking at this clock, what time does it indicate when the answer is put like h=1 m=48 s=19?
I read h=10 m=31 s=3
